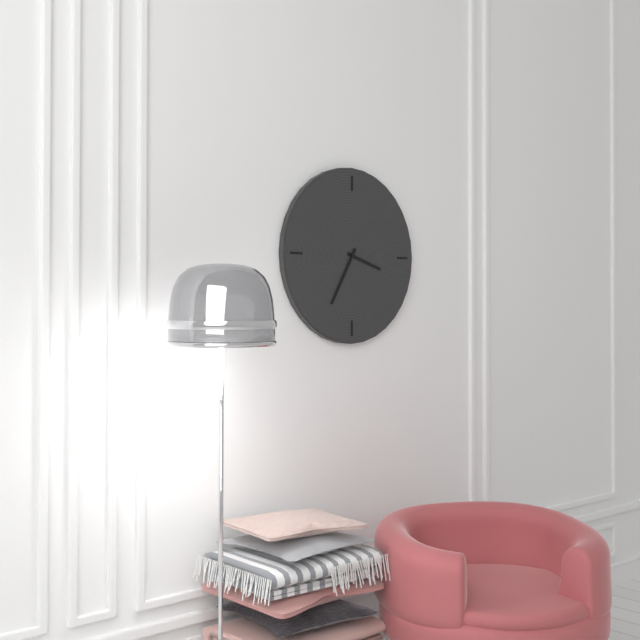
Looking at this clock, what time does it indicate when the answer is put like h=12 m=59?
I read h=3 m=35
